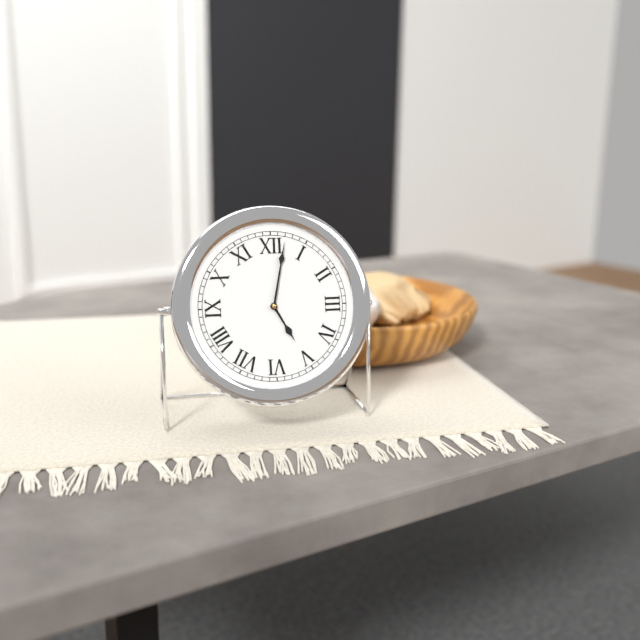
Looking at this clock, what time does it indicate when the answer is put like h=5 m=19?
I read h=5 m=2
